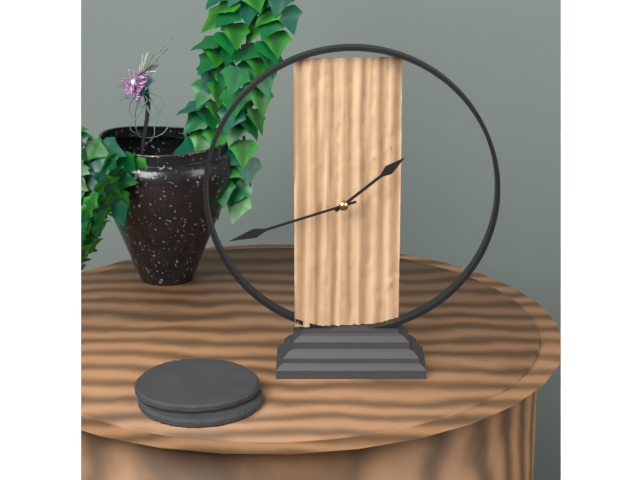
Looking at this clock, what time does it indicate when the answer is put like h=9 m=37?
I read h=1 m=42
